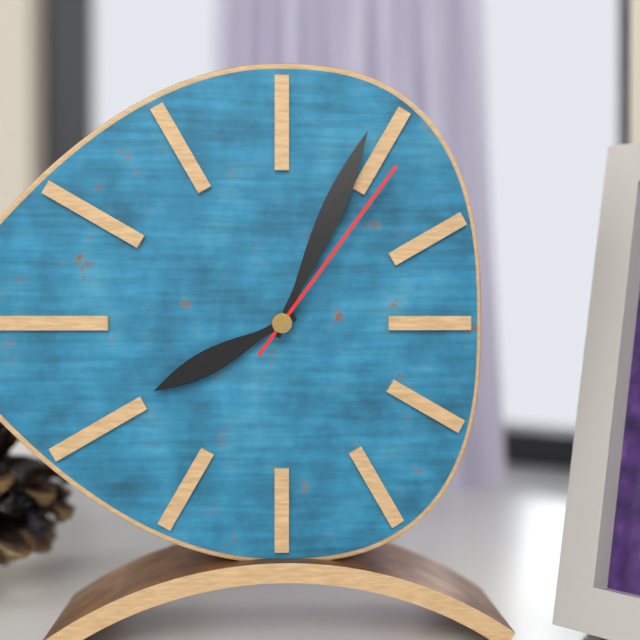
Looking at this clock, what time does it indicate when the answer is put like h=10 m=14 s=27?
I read h=8 m=4 s=6
